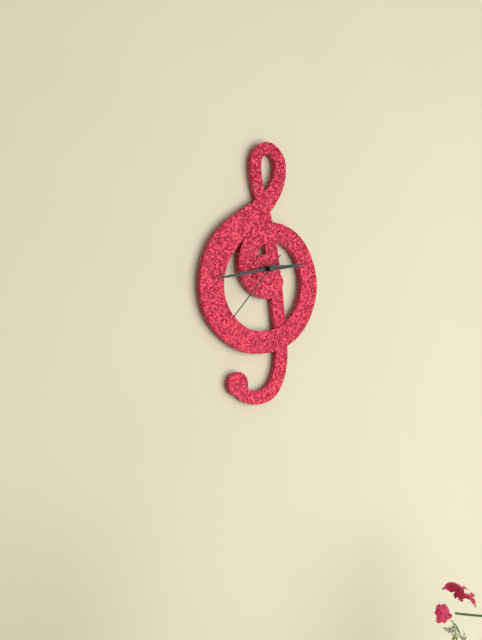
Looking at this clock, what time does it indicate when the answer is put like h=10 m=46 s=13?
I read h=2 m=43 s=37
